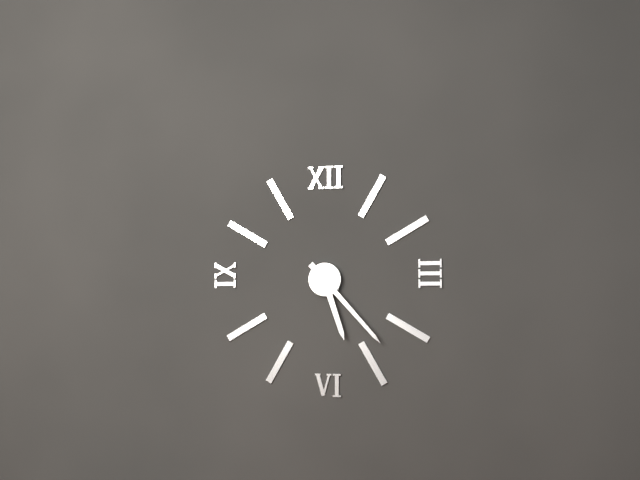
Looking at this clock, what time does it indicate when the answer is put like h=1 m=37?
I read h=5 m=23
